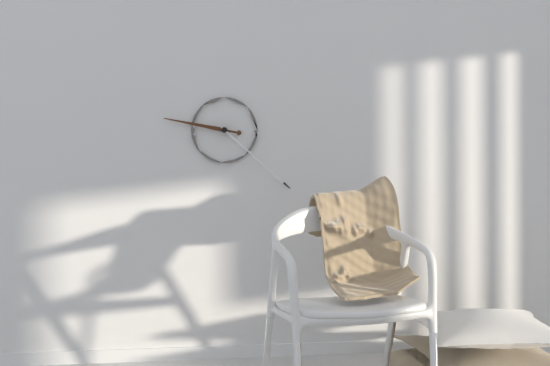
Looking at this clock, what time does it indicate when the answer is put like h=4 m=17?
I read h=9 m=22
